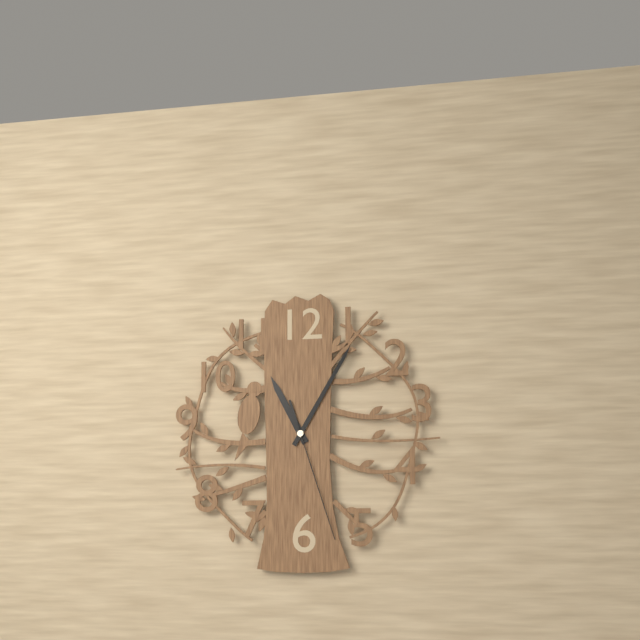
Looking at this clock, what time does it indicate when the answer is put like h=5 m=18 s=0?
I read h=11 m=5 s=27
